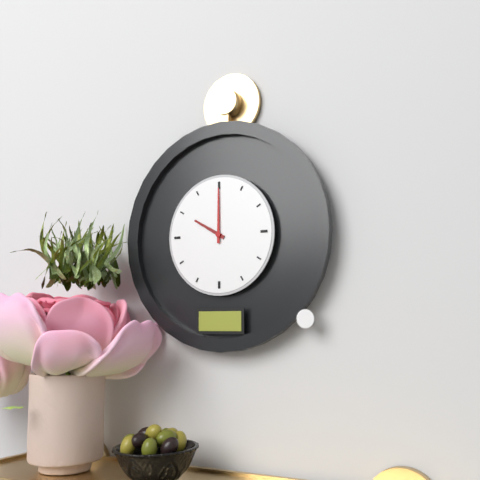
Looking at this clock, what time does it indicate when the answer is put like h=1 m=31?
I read h=10 m=0
